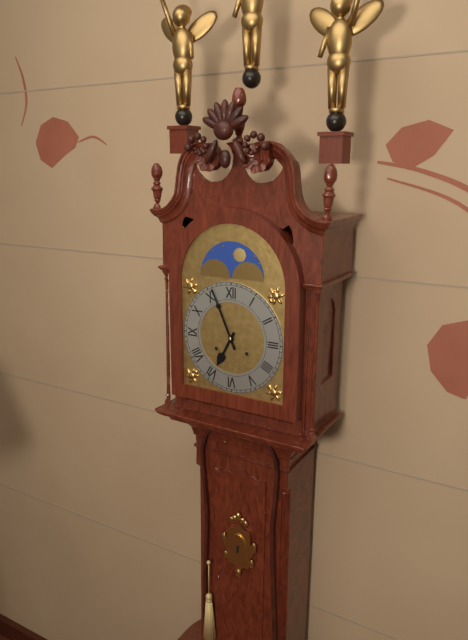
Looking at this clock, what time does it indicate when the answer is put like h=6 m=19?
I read h=6 m=56
